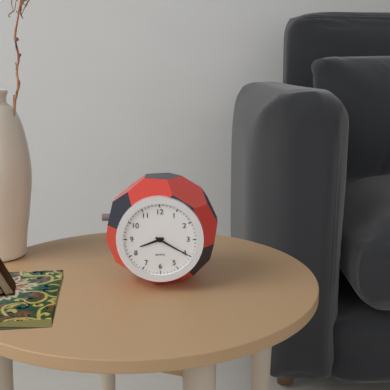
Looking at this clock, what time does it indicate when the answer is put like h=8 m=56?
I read h=8 m=20
